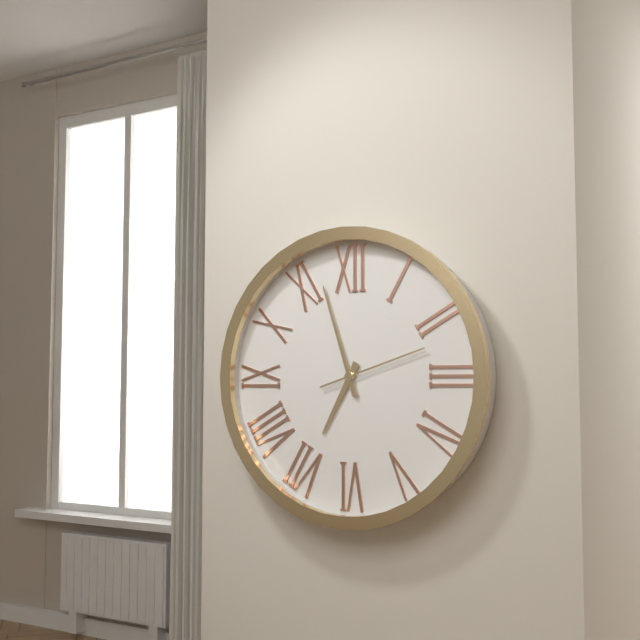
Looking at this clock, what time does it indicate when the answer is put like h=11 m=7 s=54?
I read h=6 m=57 s=12
